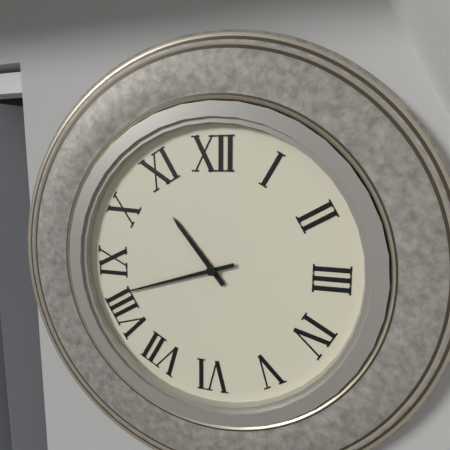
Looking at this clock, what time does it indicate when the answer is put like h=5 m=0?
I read h=10 m=42
